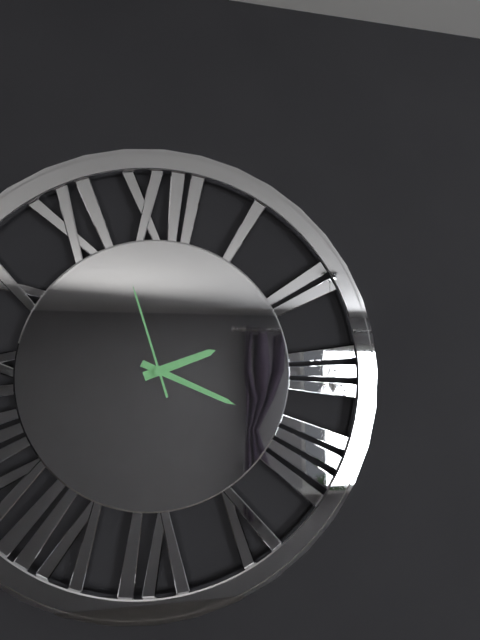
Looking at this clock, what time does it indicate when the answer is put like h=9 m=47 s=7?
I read h=2 m=19 s=57
